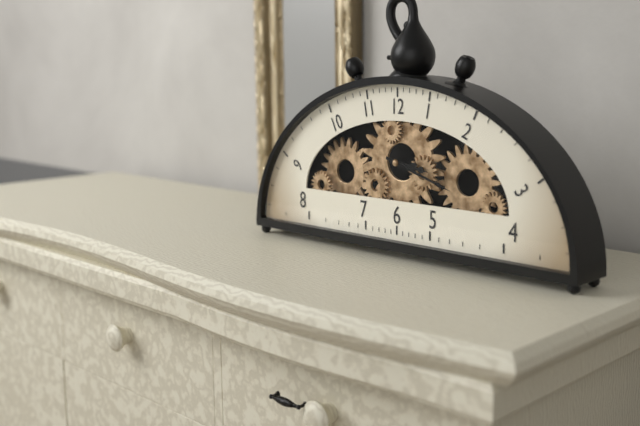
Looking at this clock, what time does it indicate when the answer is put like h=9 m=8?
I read h=3 m=18
